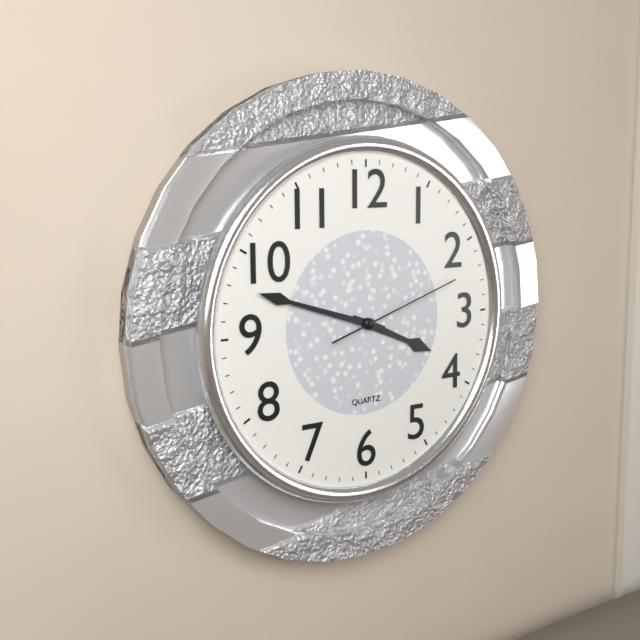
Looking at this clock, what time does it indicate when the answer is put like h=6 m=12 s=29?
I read h=3 m=48 s=12
